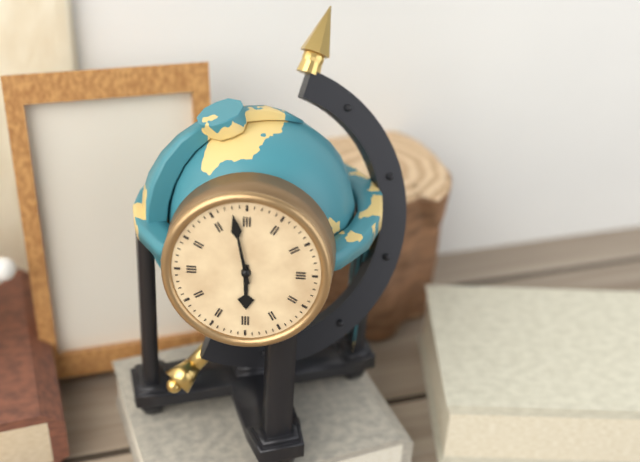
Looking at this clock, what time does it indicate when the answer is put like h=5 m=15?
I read h=5 m=58
